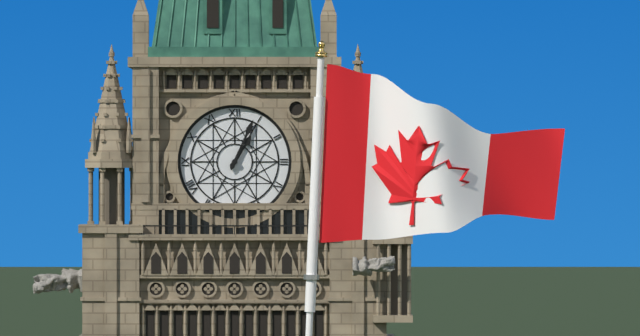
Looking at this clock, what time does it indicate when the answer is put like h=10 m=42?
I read h=1 m=4
